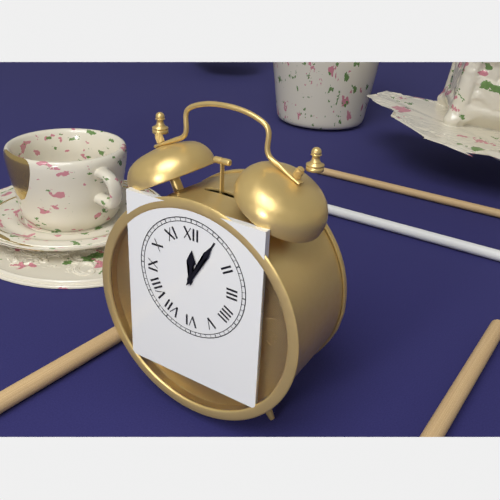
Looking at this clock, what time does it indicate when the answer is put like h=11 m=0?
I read h=12 m=5
